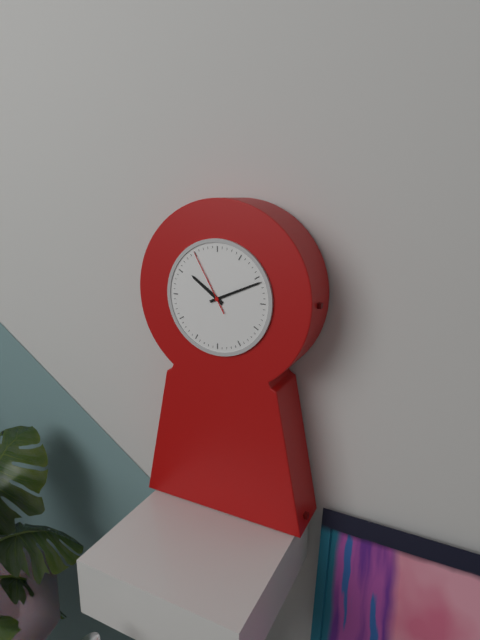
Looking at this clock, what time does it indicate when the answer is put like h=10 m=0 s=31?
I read h=10 m=11 s=55
